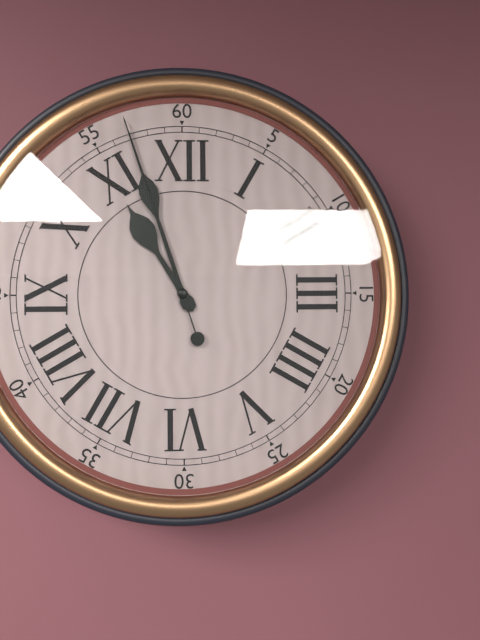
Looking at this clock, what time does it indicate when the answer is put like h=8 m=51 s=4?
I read h=10 m=57 s=57
